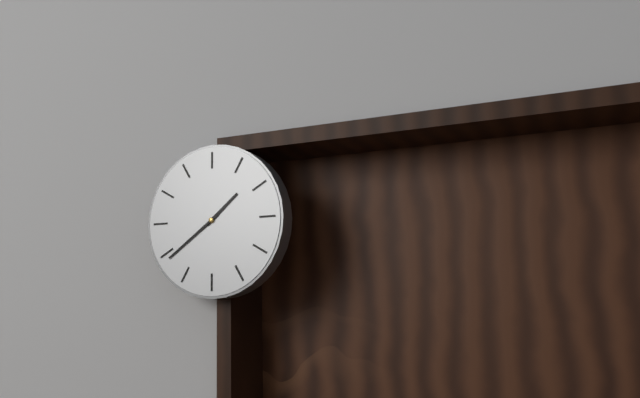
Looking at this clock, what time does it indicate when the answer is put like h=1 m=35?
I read h=1 m=39
